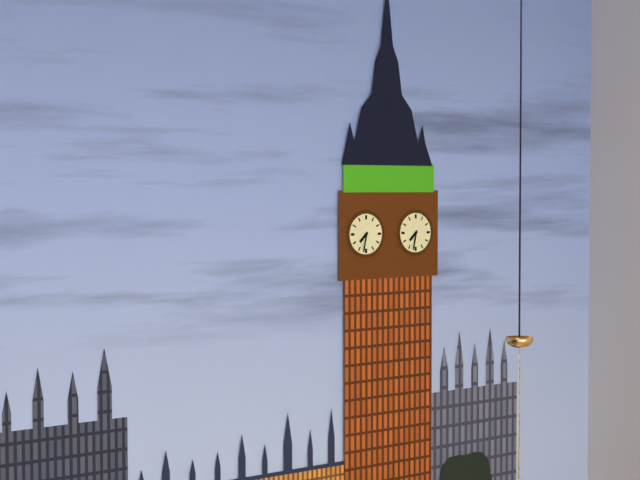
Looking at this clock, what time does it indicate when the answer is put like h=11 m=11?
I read h=7 m=32
